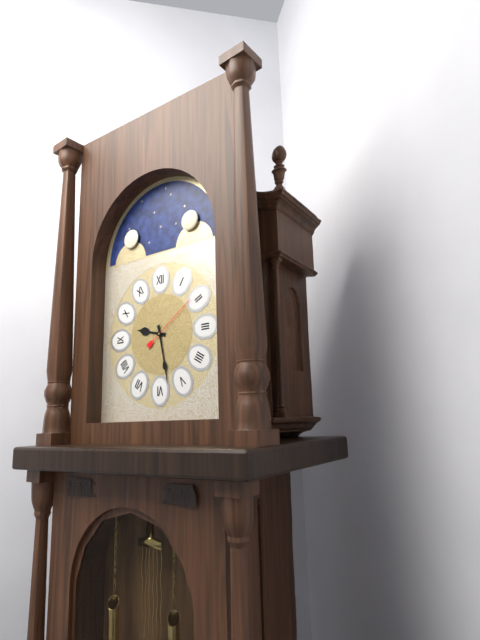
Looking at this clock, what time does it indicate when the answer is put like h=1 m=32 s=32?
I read h=9 m=28 s=9
